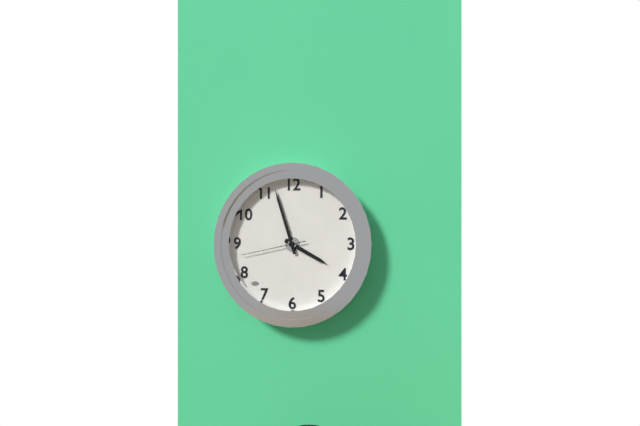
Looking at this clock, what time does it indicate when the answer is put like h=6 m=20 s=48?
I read h=3 m=57 s=43
